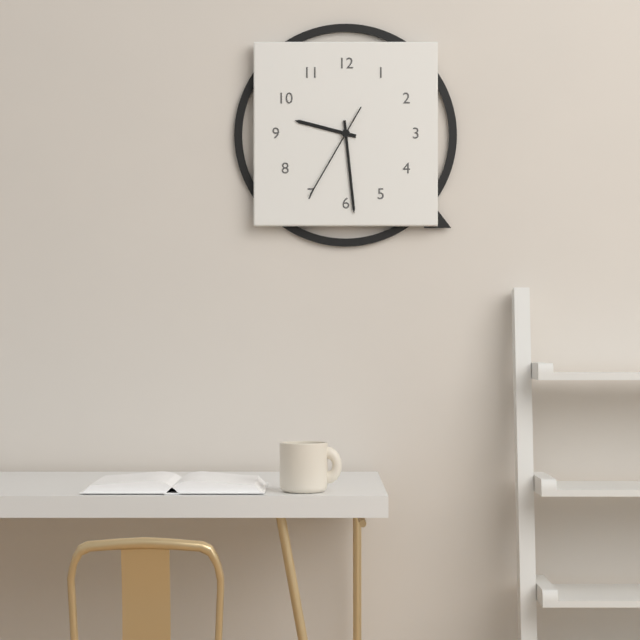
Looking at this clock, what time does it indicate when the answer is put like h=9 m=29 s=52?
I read h=9 m=29 s=35
